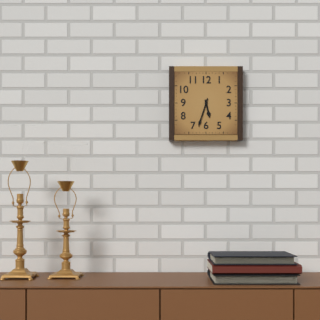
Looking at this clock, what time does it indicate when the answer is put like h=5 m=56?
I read h=5 m=33
